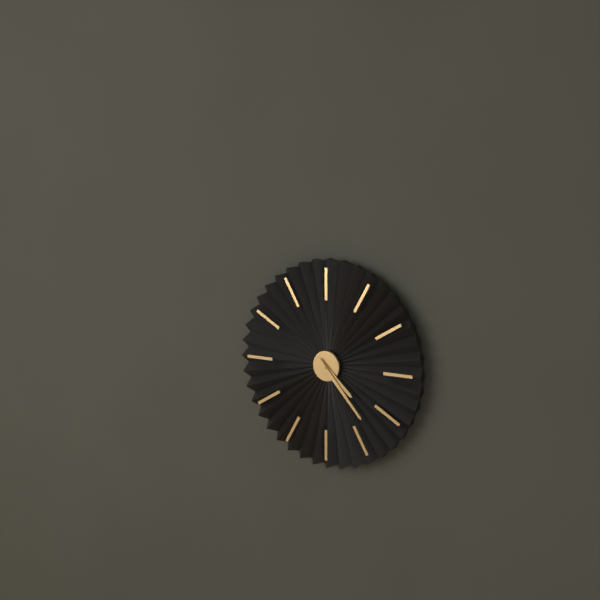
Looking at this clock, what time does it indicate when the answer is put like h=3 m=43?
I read h=4 m=23
